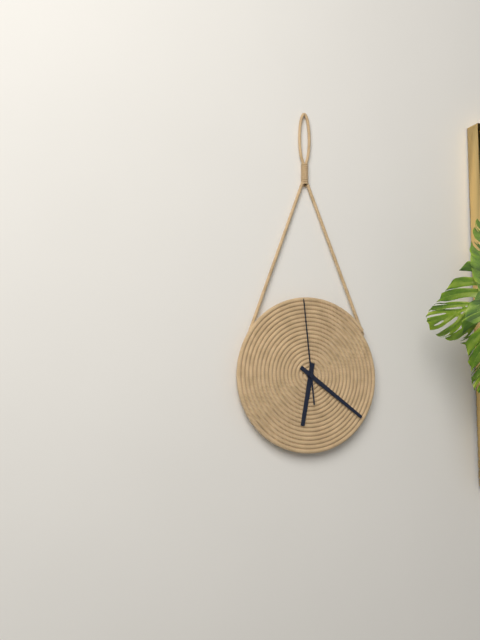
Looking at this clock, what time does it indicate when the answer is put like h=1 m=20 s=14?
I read h=6 m=21 s=59
